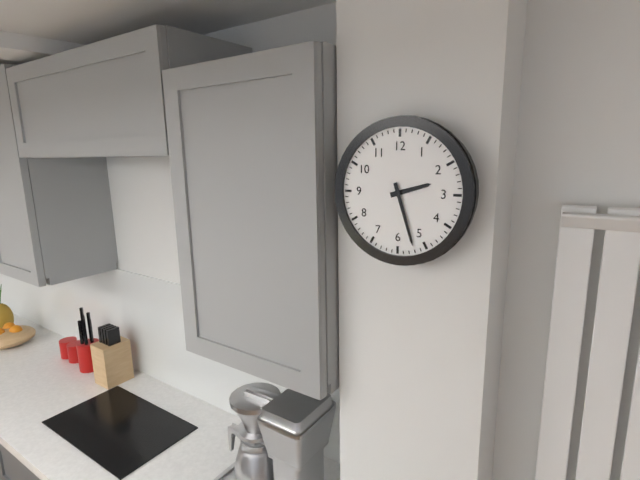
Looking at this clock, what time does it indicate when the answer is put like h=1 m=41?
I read h=2 m=27
